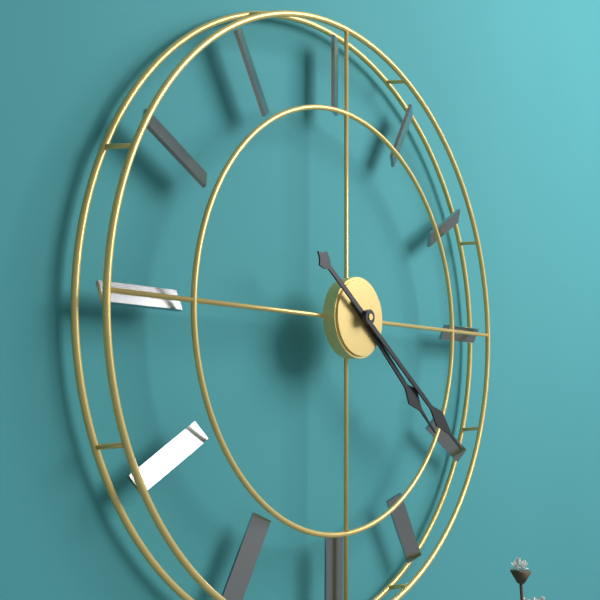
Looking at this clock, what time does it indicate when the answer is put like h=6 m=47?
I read h=4 m=21
